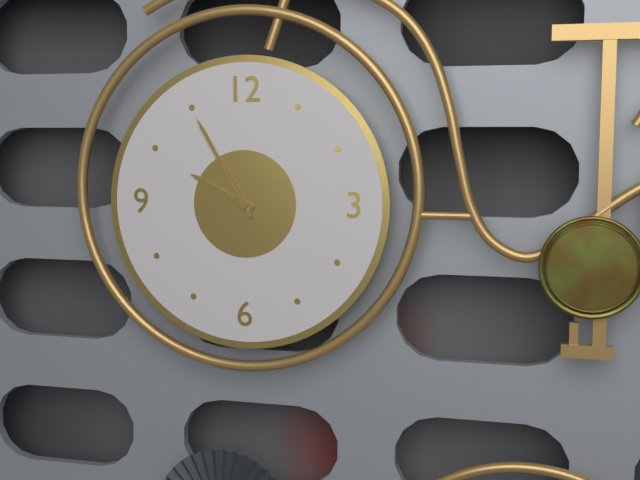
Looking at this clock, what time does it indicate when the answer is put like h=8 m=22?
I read h=9 m=55
